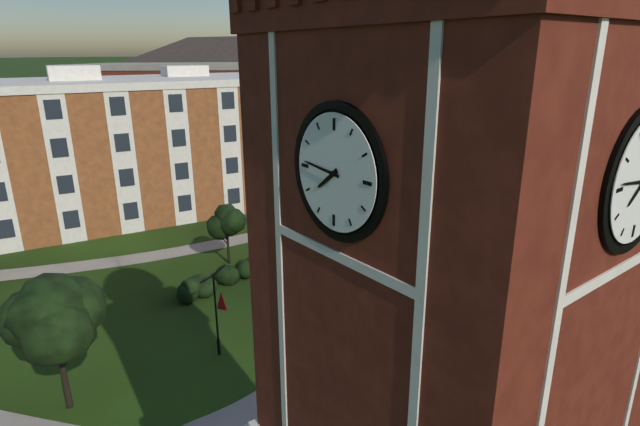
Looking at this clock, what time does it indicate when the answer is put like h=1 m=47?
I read h=7 m=46
